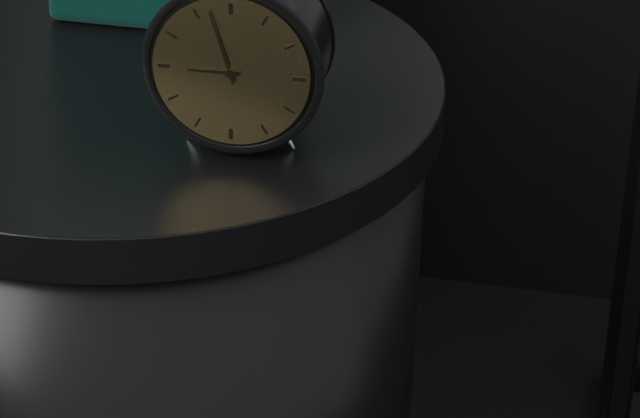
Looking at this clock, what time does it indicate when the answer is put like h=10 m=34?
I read h=8 m=57
